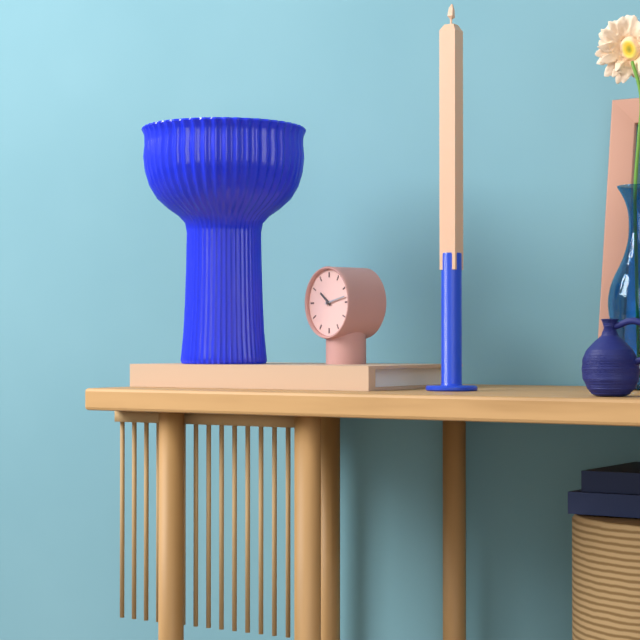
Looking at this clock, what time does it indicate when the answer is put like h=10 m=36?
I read h=10 m=13
